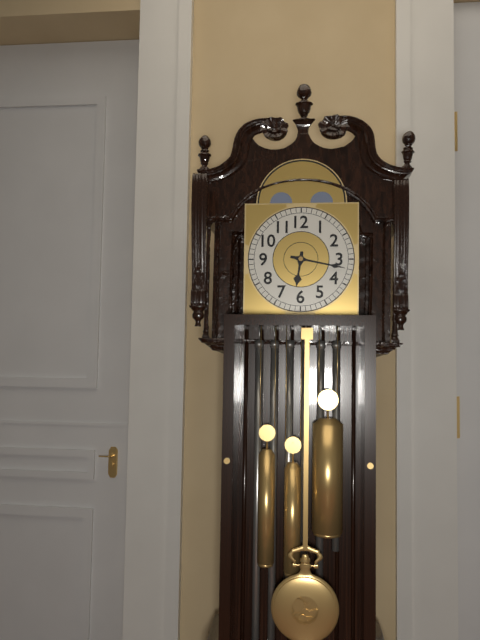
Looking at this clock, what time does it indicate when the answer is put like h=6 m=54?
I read h=6 m=17
